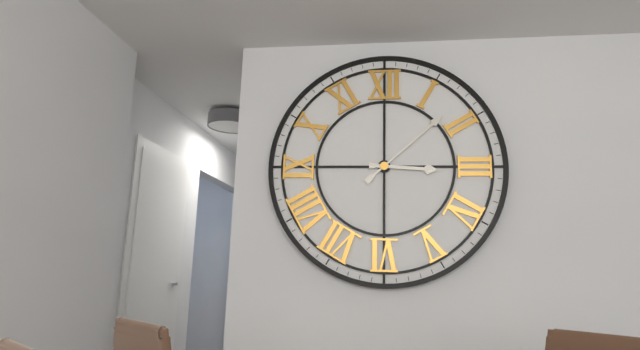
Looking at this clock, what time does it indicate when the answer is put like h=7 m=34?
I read h=3 m=8
